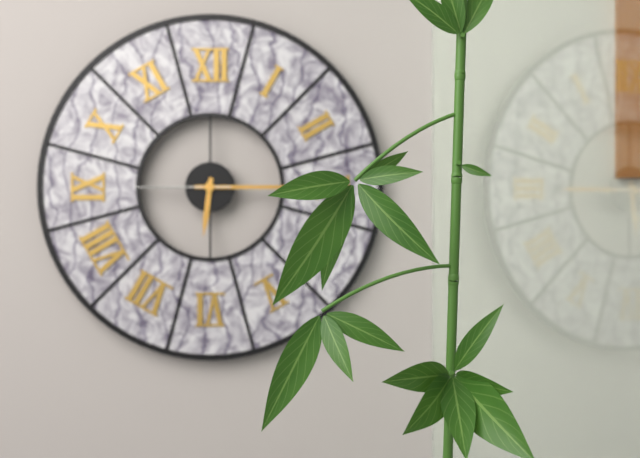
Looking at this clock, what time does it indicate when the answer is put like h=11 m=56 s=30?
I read h=6 m=15 s=45
